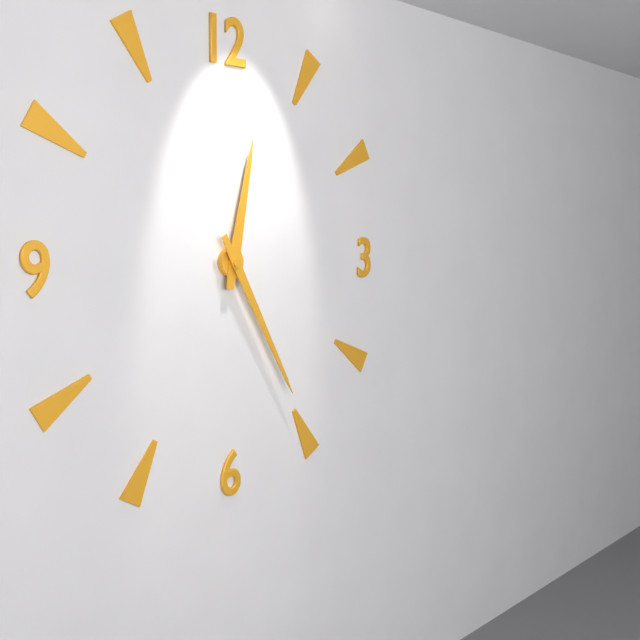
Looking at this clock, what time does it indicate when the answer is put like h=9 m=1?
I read h=12 m=25
